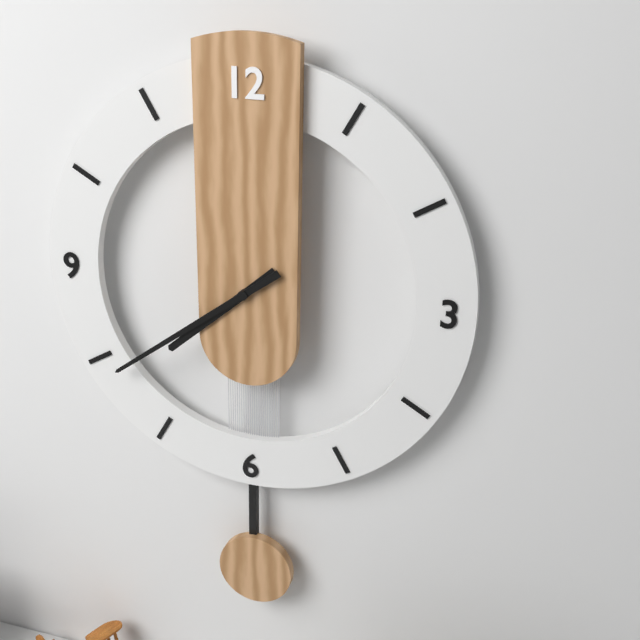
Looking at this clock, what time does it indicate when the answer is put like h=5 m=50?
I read h=7 m=39
